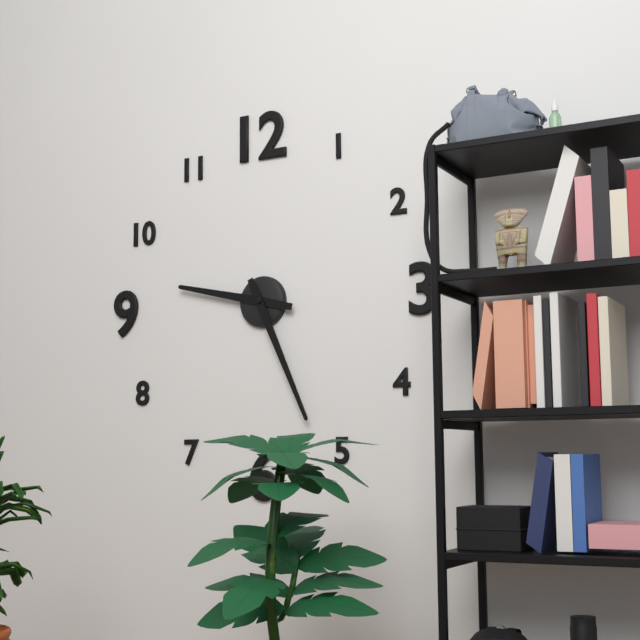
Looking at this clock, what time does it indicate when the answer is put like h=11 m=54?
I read h=9 m=26
